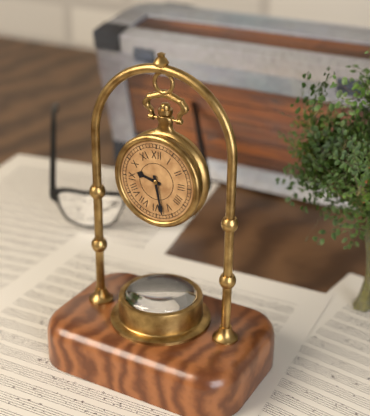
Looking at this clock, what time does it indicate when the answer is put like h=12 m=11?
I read h=9 m=28
